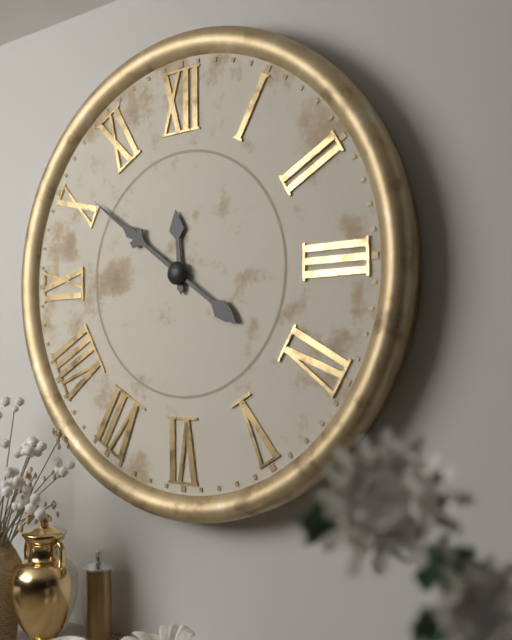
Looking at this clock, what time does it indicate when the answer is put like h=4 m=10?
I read h=11 m=51
